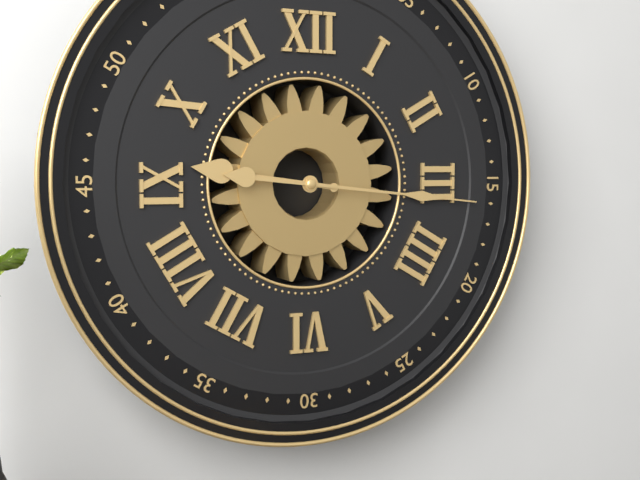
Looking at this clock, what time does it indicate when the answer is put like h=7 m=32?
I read h=9 m=16
